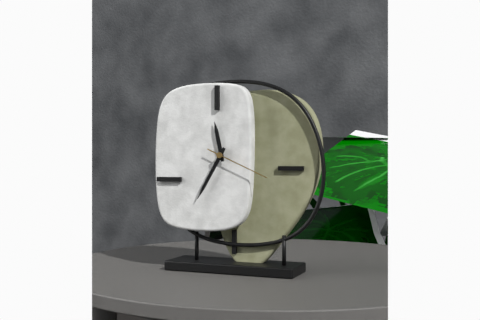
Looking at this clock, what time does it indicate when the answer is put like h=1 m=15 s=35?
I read h=11 m=35 s=19
